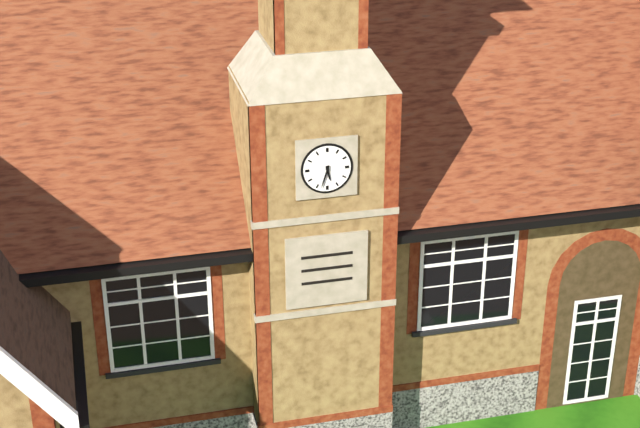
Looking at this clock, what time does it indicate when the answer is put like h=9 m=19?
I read h=5 m=33
